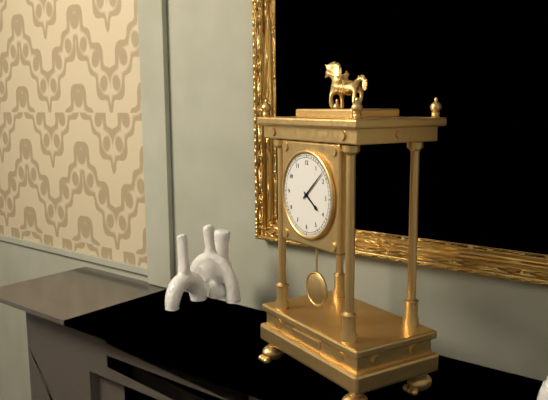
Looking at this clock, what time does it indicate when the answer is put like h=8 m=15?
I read h=4 m=8
